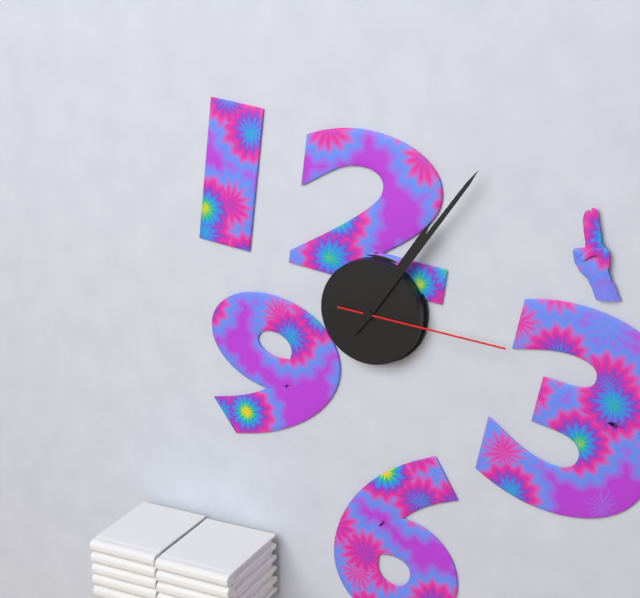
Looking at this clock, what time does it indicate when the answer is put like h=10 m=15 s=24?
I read h=1 m=6 s=16
